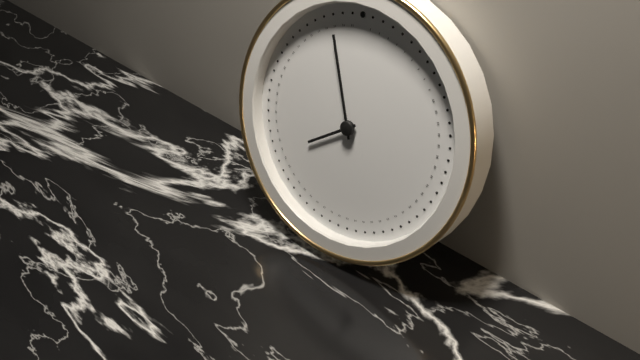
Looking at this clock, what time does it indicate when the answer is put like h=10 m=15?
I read h=7 m=57
